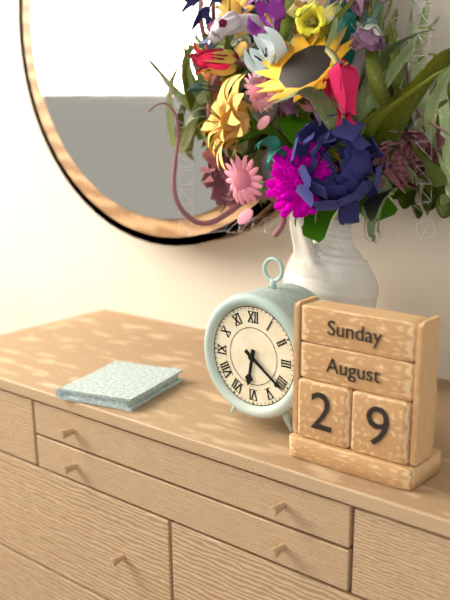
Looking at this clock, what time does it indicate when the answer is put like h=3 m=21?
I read h=6 m=21
